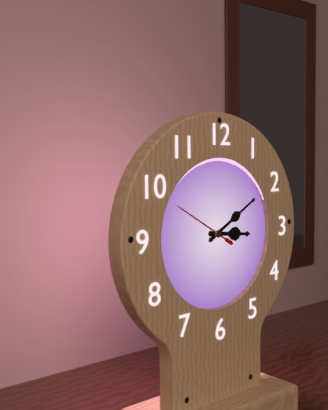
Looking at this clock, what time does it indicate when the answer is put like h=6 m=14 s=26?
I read h=3 m=10 s=50
